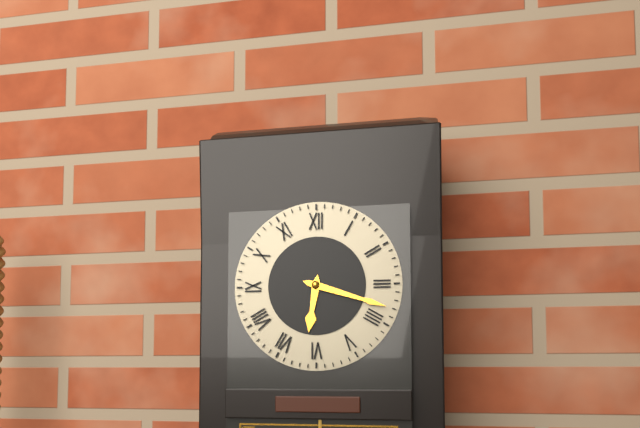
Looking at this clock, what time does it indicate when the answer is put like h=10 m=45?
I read h=6 m=18
